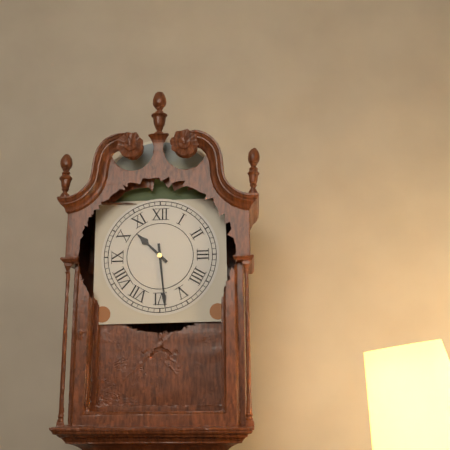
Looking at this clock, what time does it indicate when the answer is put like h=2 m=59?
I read h=10 m=29
